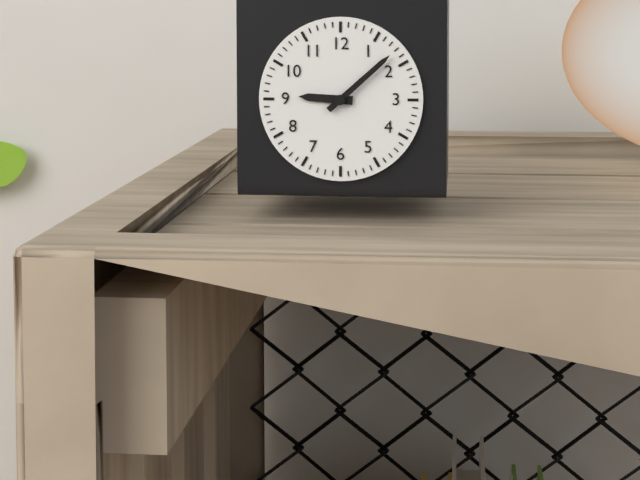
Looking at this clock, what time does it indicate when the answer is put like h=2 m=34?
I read h=9 m=8
